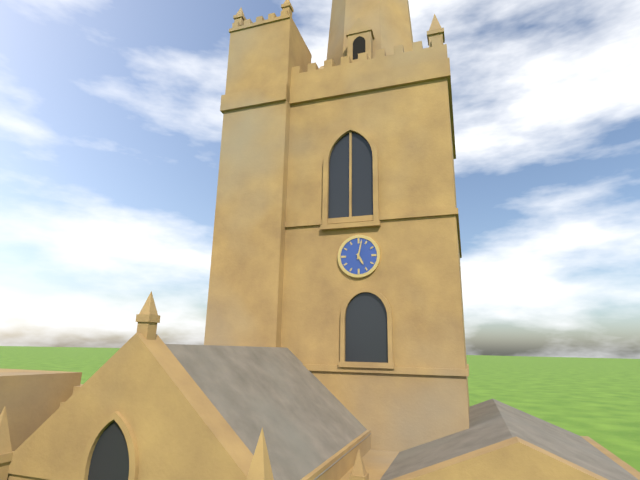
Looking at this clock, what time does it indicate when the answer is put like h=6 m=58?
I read h=5 m=2
